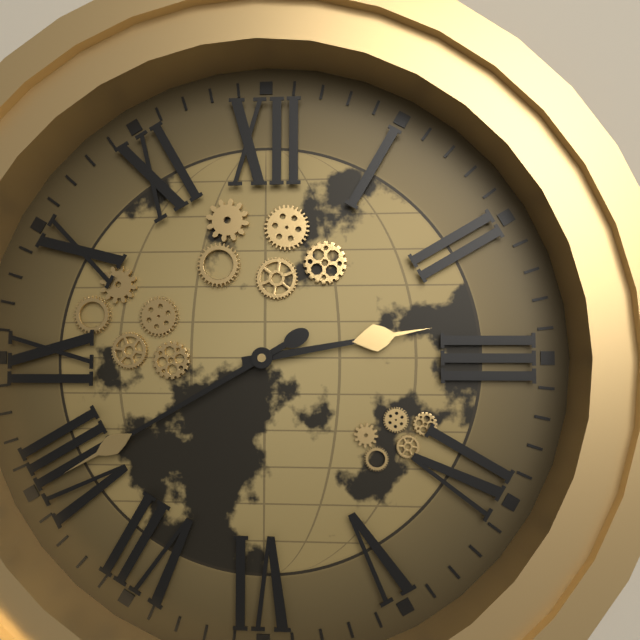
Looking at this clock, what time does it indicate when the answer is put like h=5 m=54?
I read h=2 m=40
